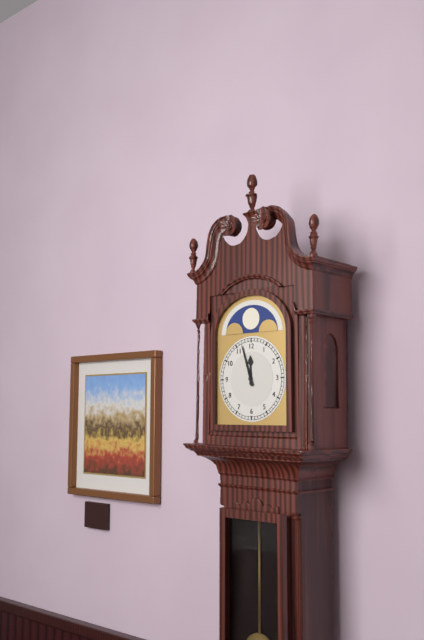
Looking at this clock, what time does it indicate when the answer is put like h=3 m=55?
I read h=11 m=57
